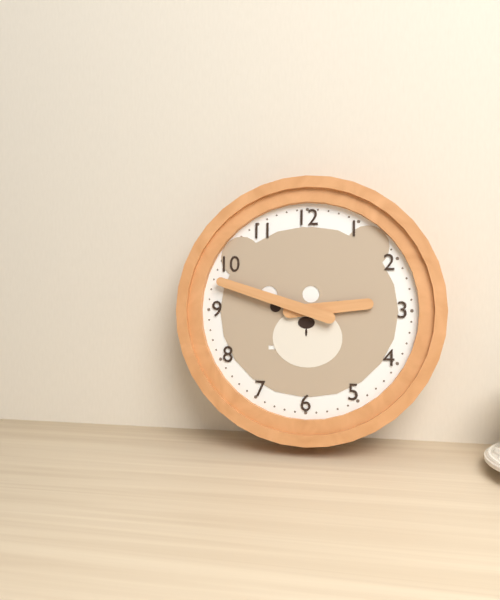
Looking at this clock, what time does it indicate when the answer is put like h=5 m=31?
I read h=2 m=48
